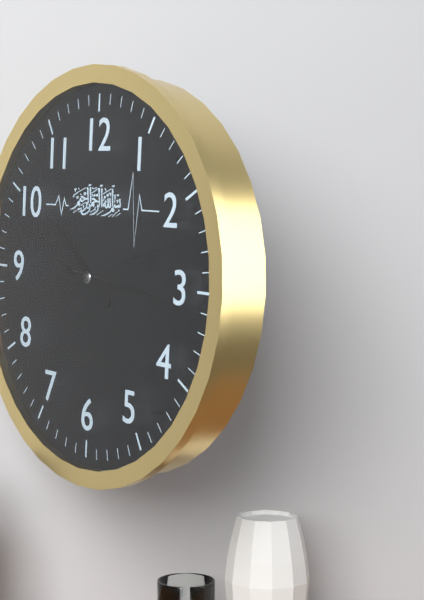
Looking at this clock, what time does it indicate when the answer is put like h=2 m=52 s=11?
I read h=10 m=16 s=12
